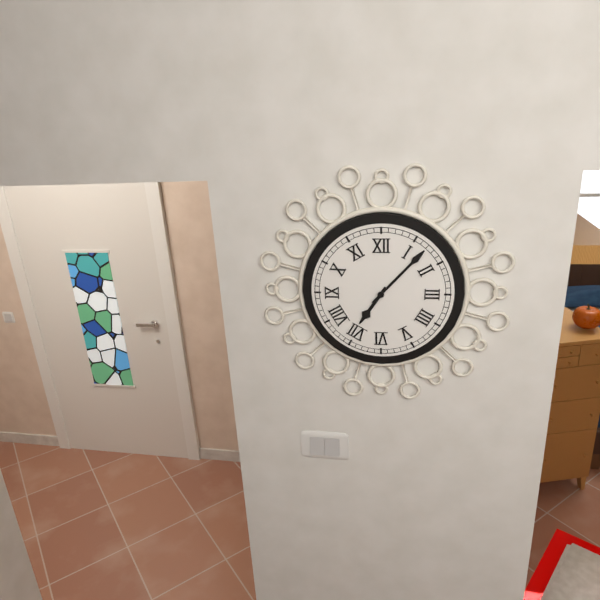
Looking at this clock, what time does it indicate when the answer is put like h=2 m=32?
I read h=7 m=7
